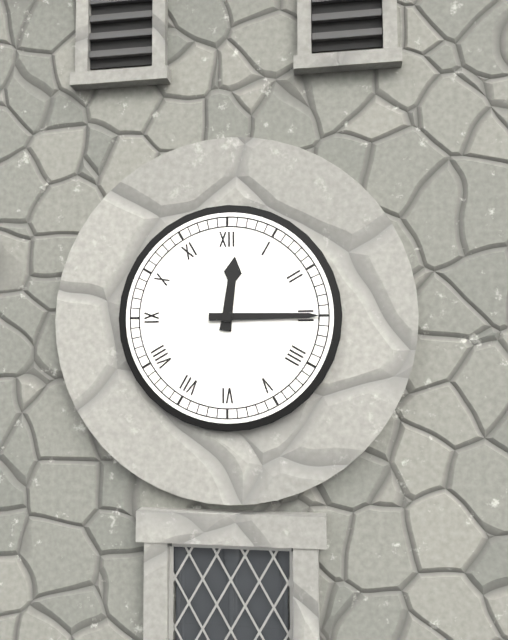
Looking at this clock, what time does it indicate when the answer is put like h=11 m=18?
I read h=12 m=15
